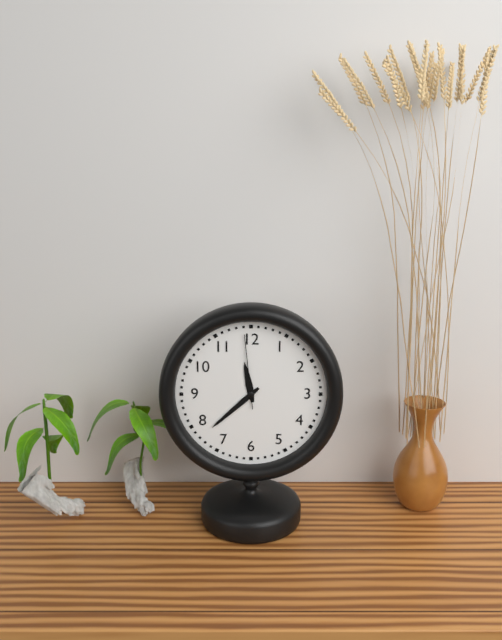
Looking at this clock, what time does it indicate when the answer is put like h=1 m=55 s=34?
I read h=11 m=38 s=59
